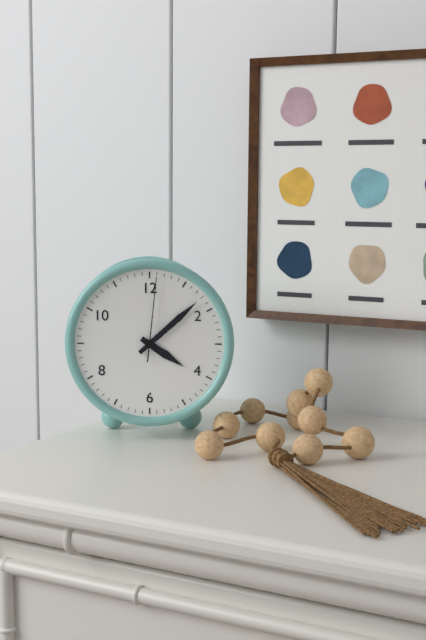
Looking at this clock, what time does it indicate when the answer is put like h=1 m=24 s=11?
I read h=4 m=8 s=1
